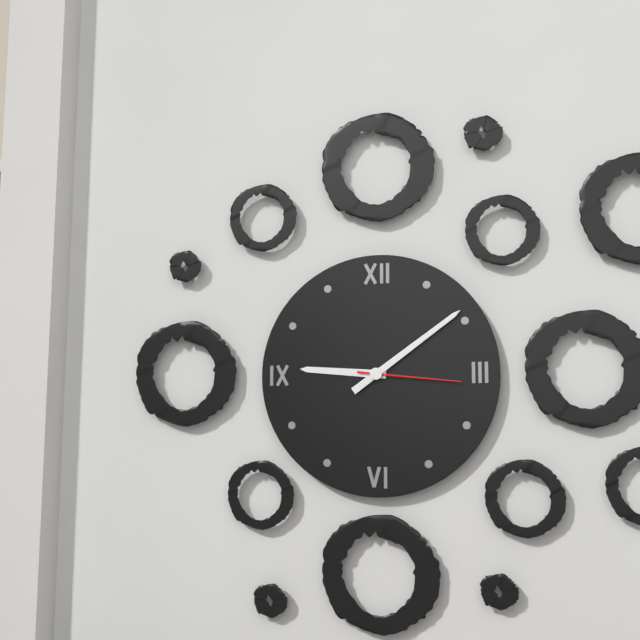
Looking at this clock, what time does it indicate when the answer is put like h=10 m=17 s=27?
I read h=9 m=9 s=16
